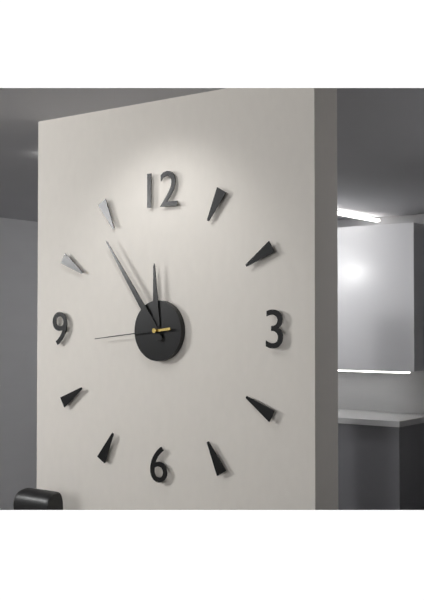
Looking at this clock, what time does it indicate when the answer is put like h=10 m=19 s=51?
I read h=11 m=54 s=44
